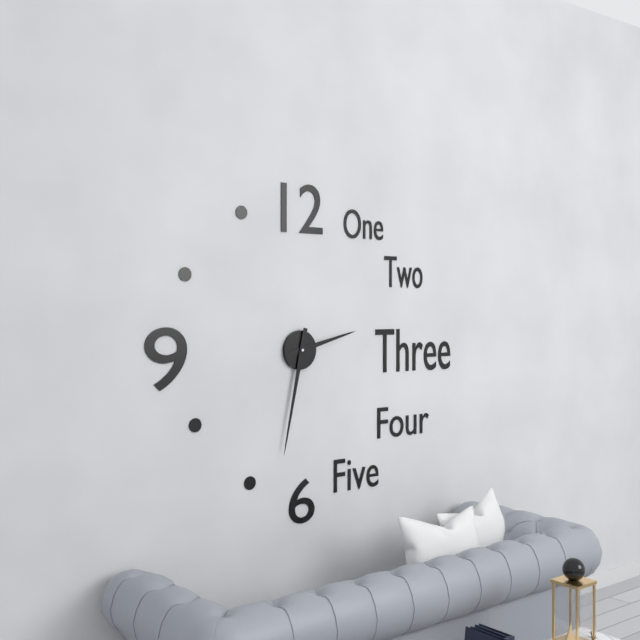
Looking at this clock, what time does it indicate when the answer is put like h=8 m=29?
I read h=2 m=32
